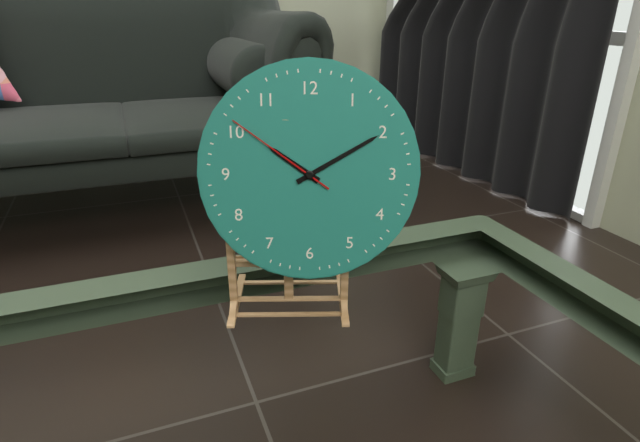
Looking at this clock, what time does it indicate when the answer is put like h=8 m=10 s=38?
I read h=10 m=10 s=51
